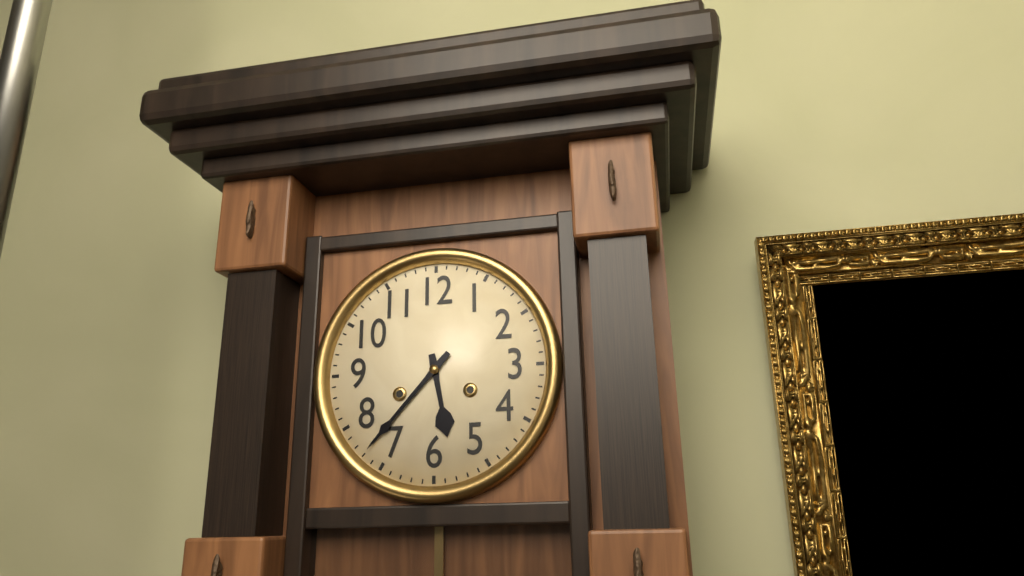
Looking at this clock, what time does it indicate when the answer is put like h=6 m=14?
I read h=5 m=37
